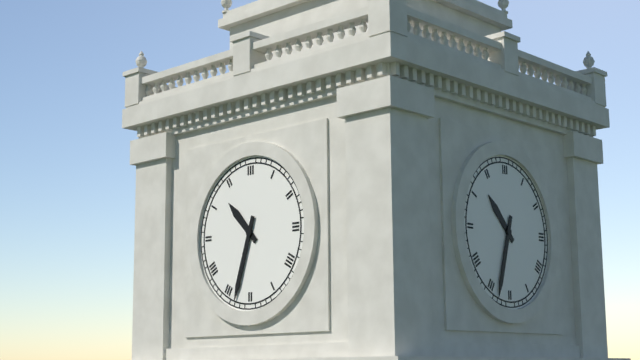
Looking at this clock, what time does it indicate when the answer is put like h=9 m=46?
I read h=10 m=33
